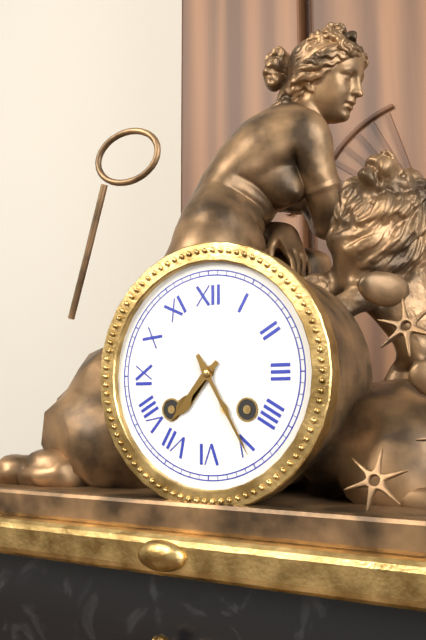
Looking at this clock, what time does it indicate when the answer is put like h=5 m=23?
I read h=7 m=25
